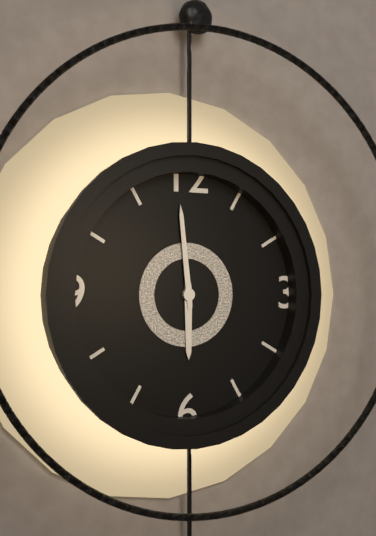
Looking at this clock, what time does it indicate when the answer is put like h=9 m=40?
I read h=5 m=59
